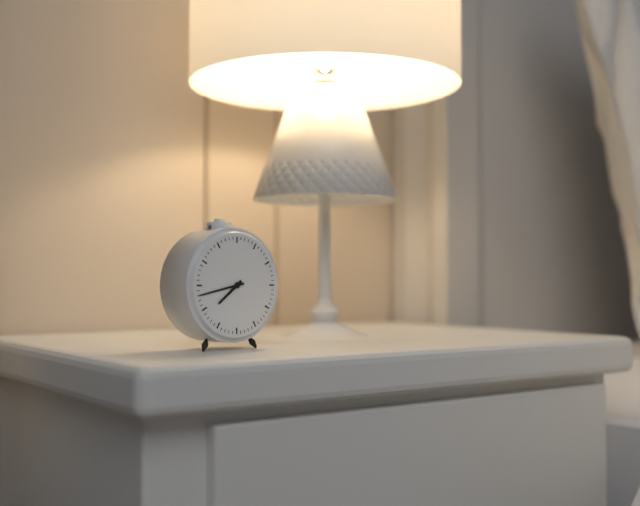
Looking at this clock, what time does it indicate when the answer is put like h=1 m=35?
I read h=7 m=43
